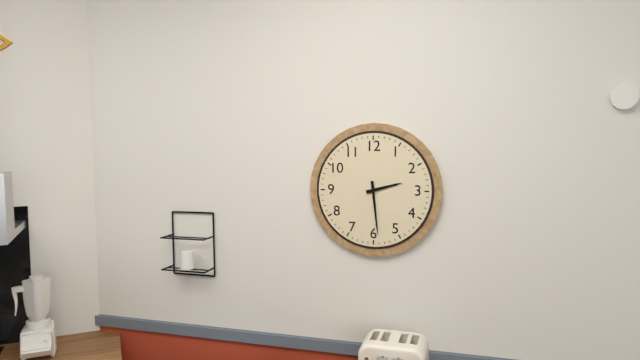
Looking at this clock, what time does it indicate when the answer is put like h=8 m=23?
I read h=2 m=29
